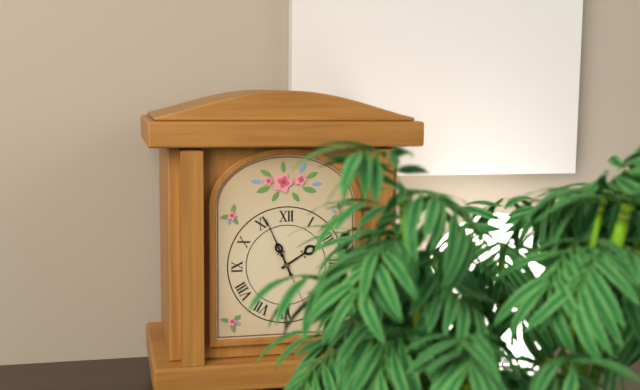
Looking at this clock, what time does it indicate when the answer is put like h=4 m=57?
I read h=1 m=56
